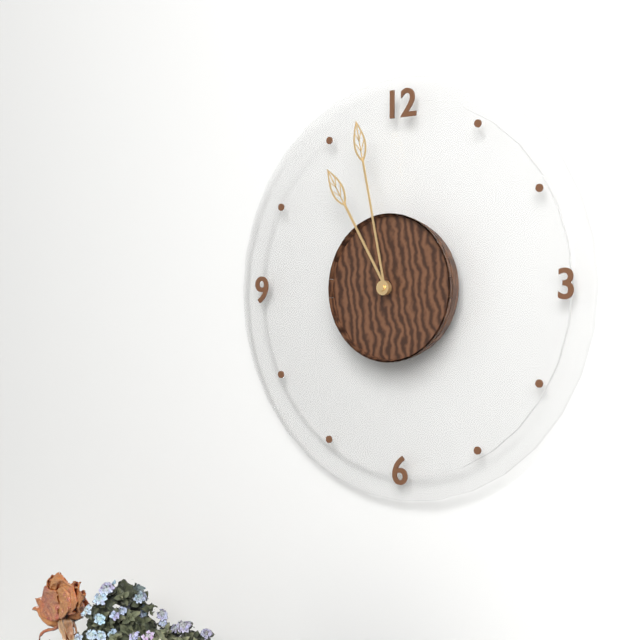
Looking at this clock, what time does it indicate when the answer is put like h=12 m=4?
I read h=10 m=58
